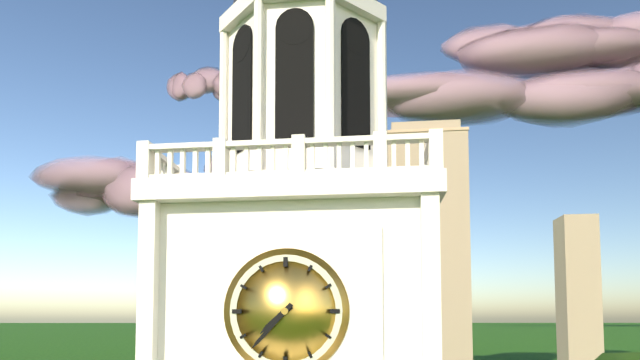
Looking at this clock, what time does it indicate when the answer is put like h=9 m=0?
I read h=7 m=37
